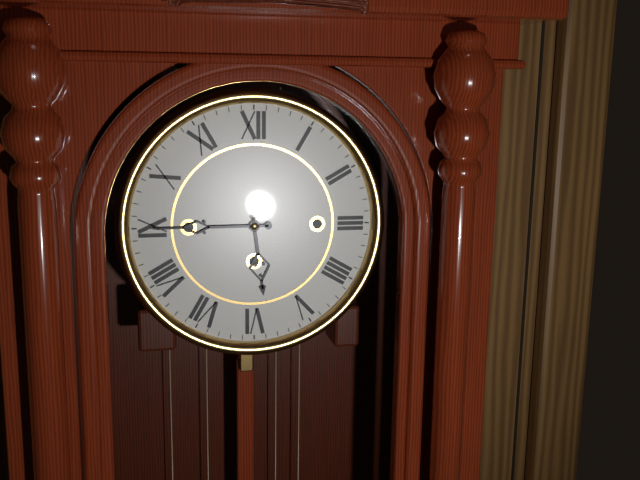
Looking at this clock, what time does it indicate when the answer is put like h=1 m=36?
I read h=5 m=45
